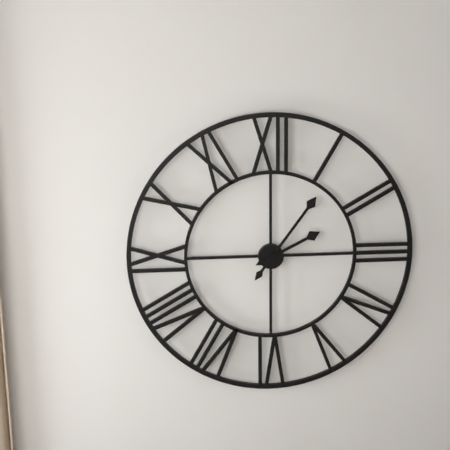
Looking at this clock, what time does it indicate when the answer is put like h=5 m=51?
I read h=2 m=6
